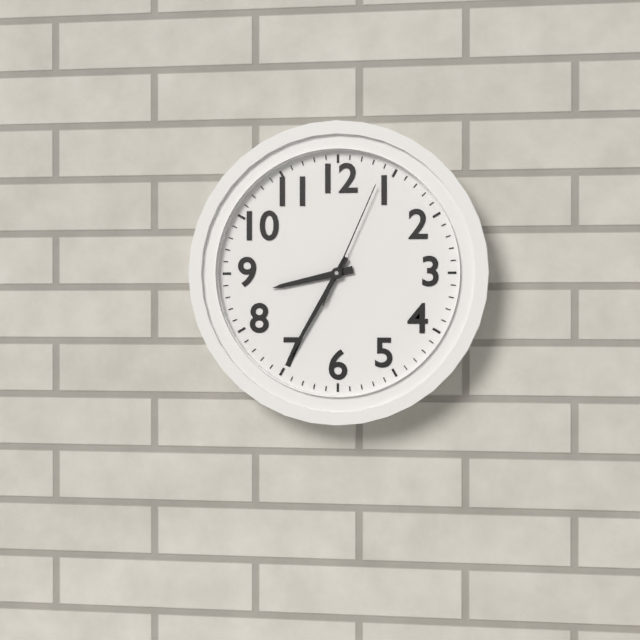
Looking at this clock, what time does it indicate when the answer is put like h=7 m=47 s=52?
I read h=8 m=35 s=4
